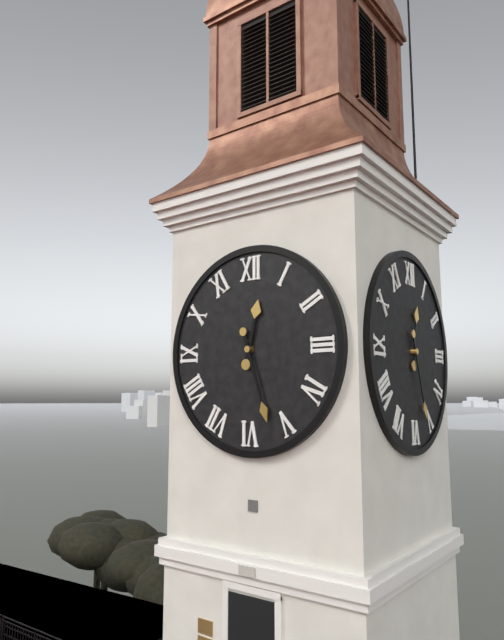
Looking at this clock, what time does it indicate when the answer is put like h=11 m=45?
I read h=12 m=27
